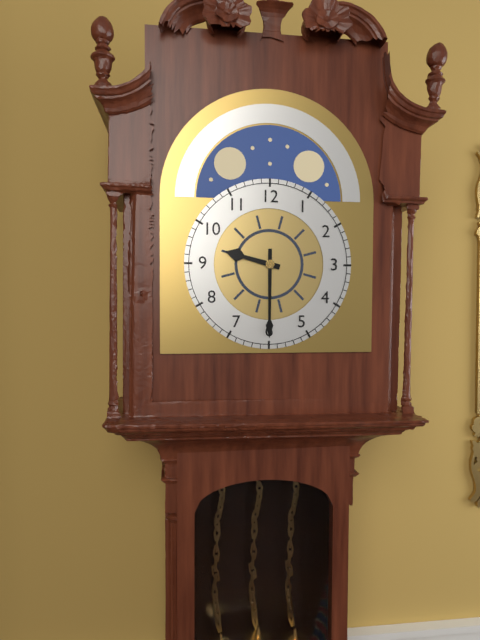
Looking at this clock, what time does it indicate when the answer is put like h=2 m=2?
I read h=9 m=30
